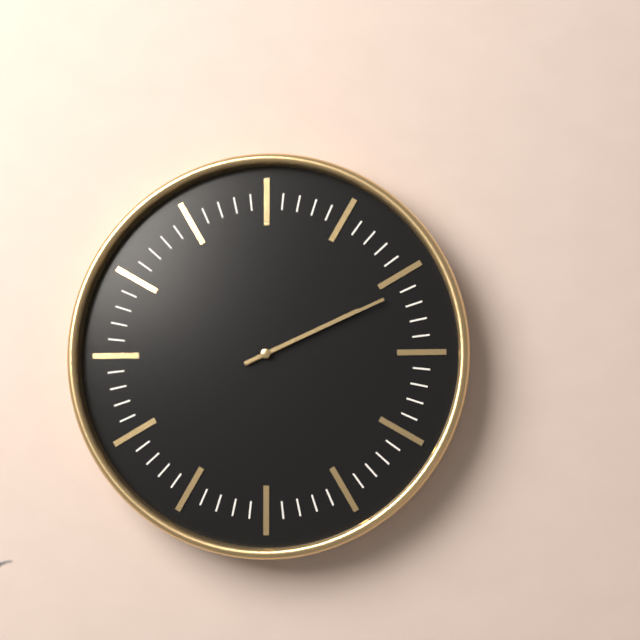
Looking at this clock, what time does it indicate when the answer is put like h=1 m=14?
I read h=2 m=11
